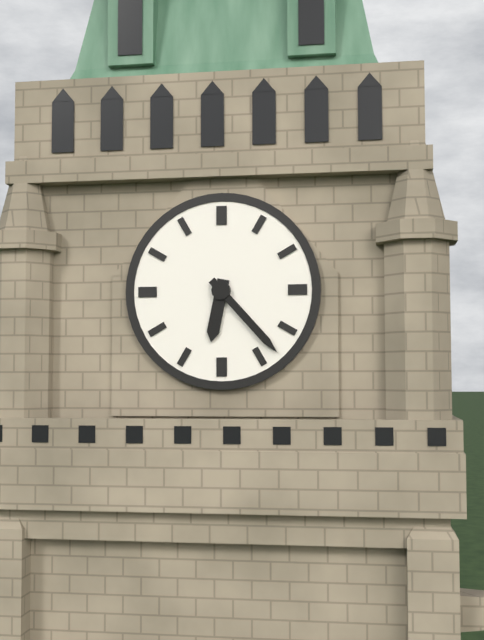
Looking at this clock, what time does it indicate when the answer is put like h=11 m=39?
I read h=6 m=23
